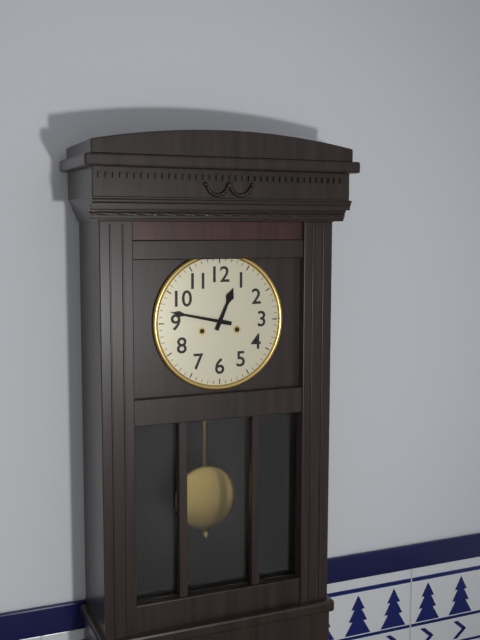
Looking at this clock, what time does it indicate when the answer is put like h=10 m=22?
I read h=12 m=47
